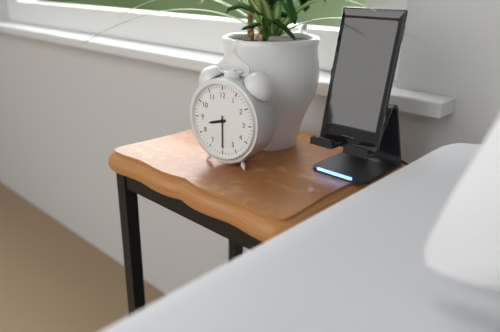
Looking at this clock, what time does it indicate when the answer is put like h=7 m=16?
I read h=8 m=30
